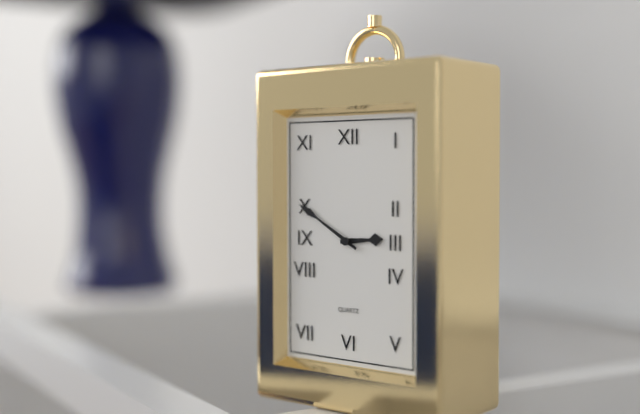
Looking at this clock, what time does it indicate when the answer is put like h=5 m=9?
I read h=2 m=50
